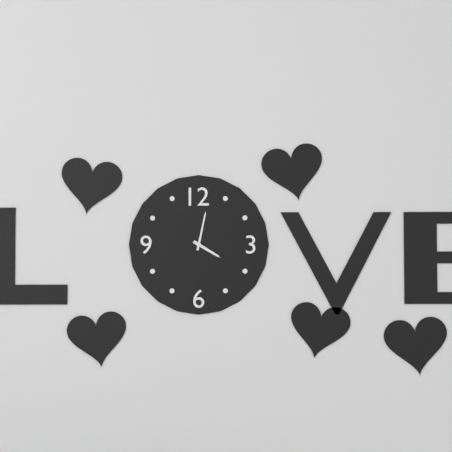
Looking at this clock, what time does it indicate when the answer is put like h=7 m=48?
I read h=4 m=2
